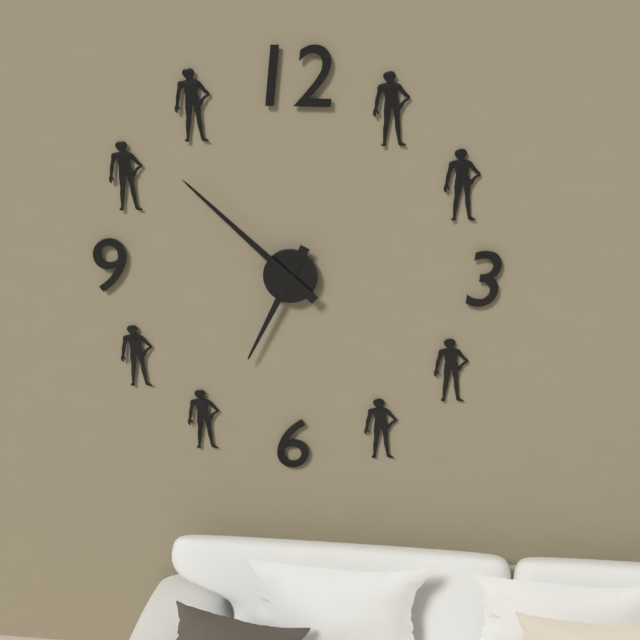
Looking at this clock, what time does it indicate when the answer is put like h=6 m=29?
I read h=6 m=52
